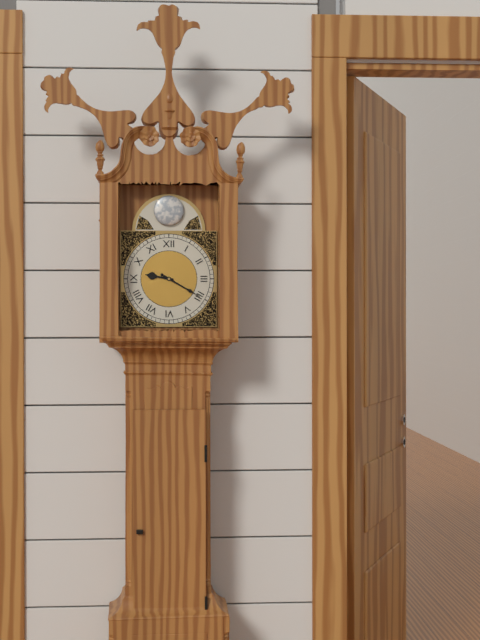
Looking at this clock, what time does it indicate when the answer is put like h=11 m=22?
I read h=9 m=20
